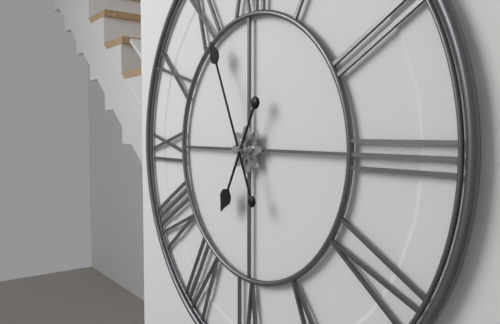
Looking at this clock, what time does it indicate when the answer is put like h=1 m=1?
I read h=6 m=56
